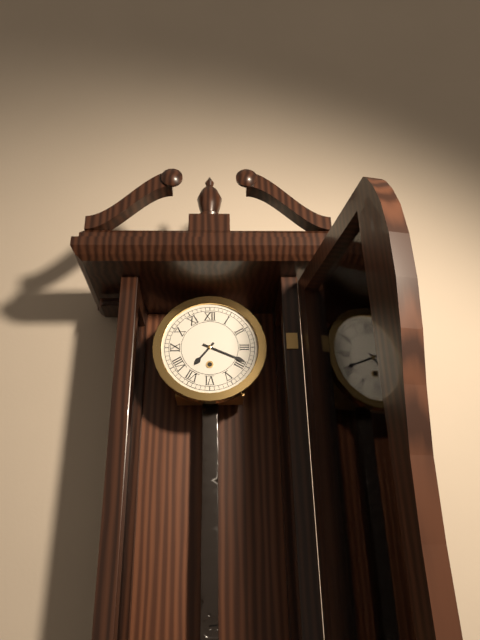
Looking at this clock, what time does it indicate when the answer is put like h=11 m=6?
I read h=7 m=19
